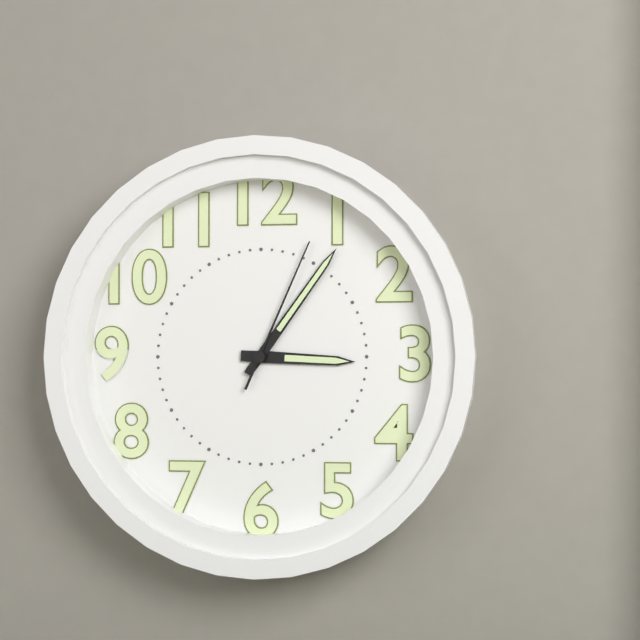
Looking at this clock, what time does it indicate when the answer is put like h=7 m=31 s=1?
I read h=3 m=6 s=4
